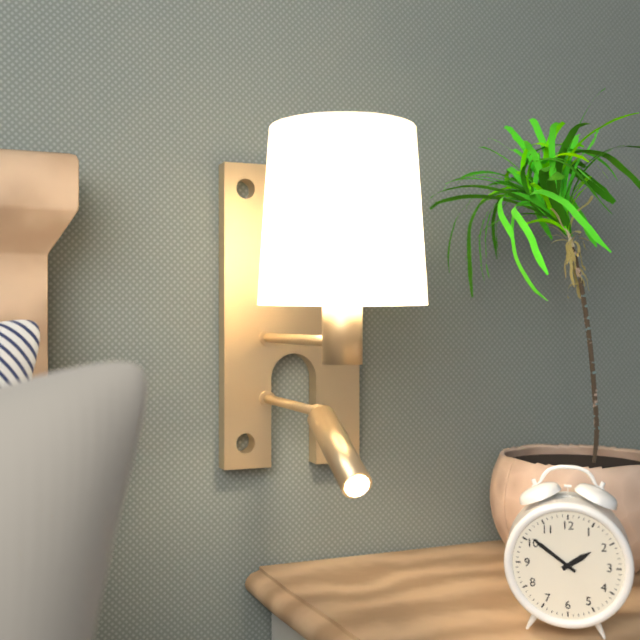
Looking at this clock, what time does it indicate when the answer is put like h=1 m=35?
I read h=1 m=51
